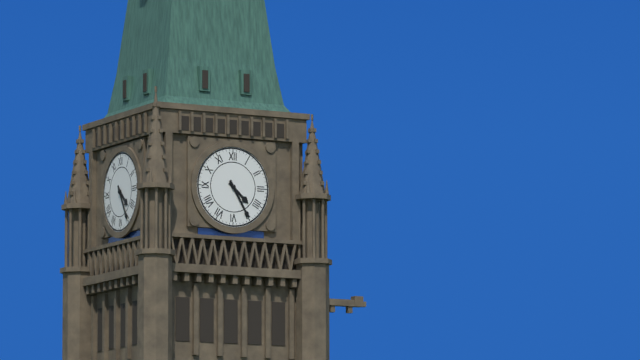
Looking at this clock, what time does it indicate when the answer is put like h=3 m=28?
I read h=4 m=25
